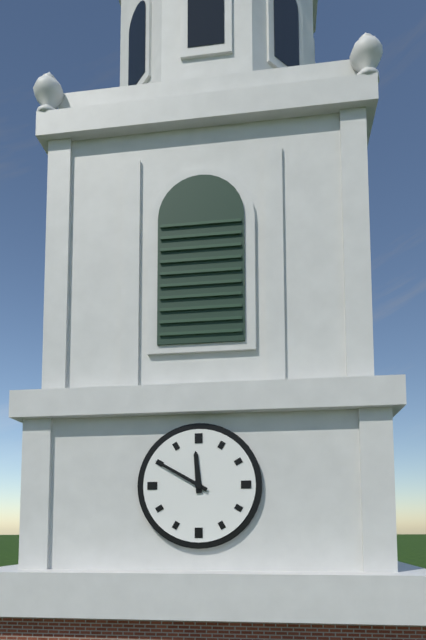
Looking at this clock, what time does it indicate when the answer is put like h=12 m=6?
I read h=11 m=50
